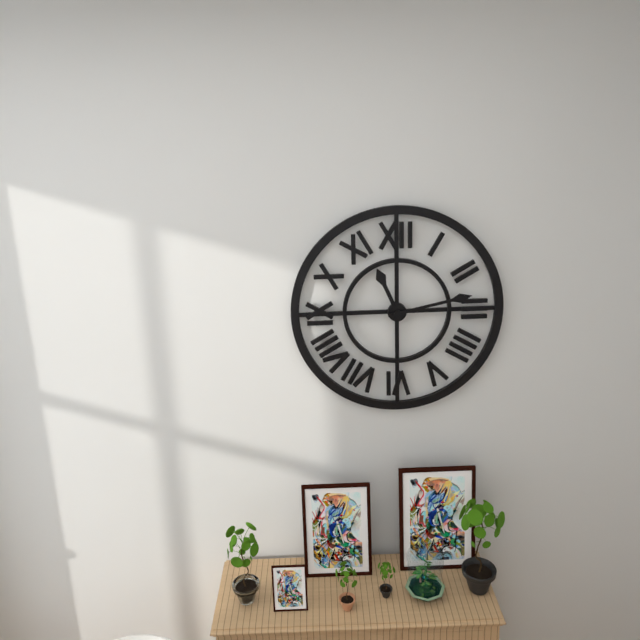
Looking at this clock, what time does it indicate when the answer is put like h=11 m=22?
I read h=11 m=13
